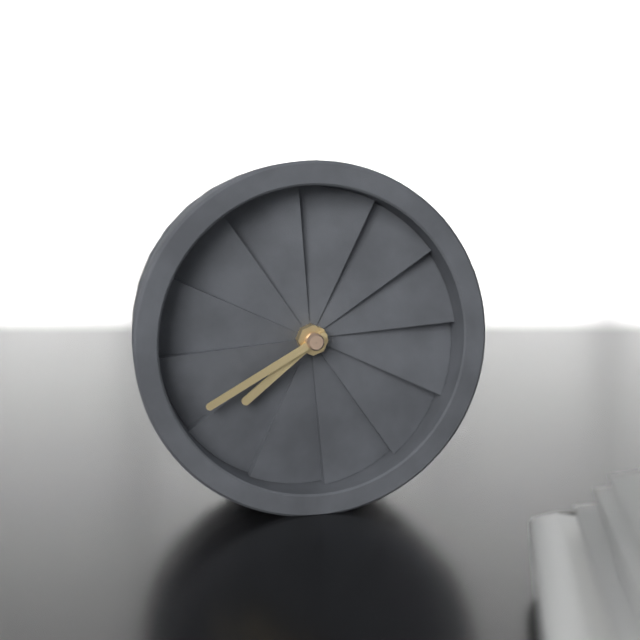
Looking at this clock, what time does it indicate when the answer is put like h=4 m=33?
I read h=7 m=40
